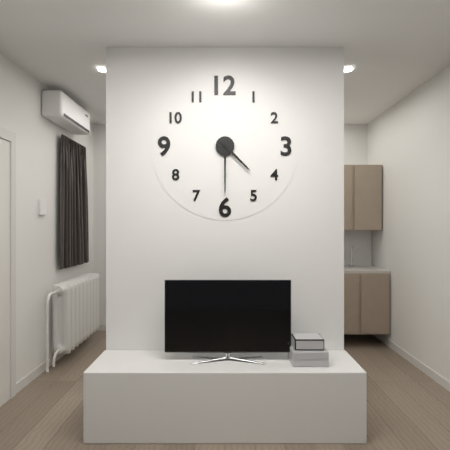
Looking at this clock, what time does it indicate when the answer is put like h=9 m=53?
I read h=4 m=30
